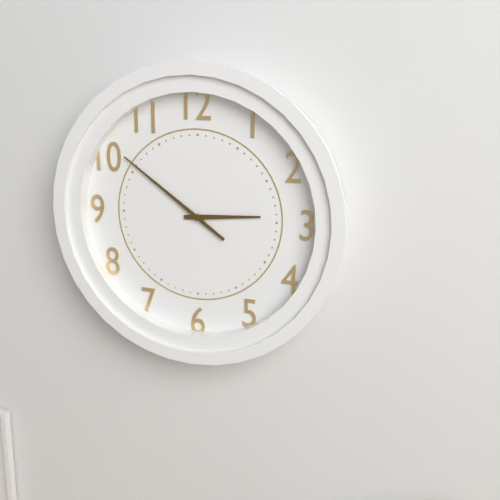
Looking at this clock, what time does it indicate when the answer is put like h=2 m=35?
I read h=2 m=51
